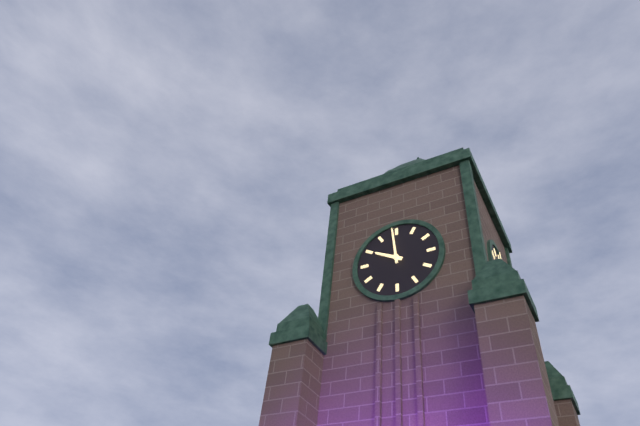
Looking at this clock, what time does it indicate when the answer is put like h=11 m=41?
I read h=9 m=59
